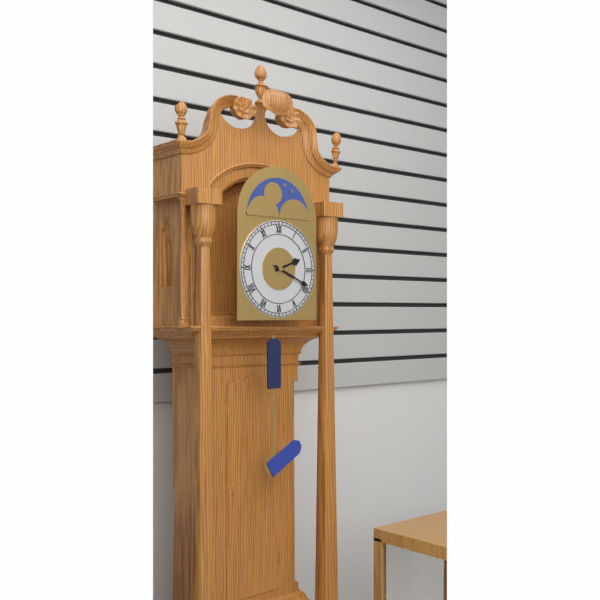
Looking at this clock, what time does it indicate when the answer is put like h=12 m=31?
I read h=2 m=19
